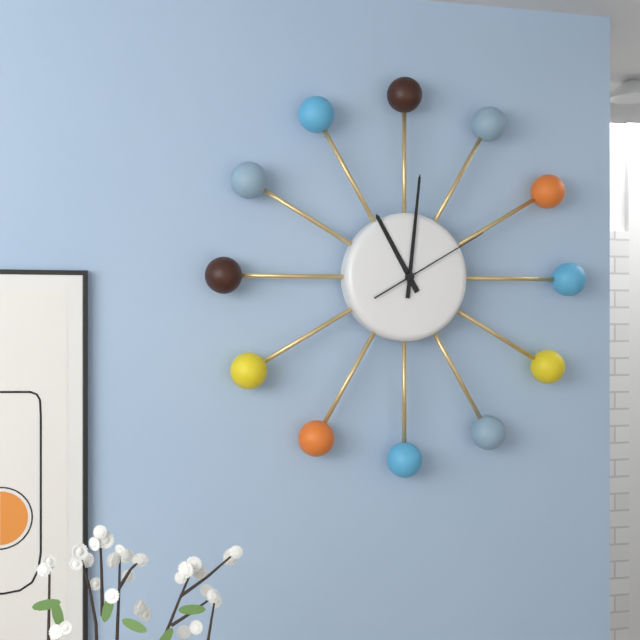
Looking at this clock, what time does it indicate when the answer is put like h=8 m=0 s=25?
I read h=11 m=1 s=10
